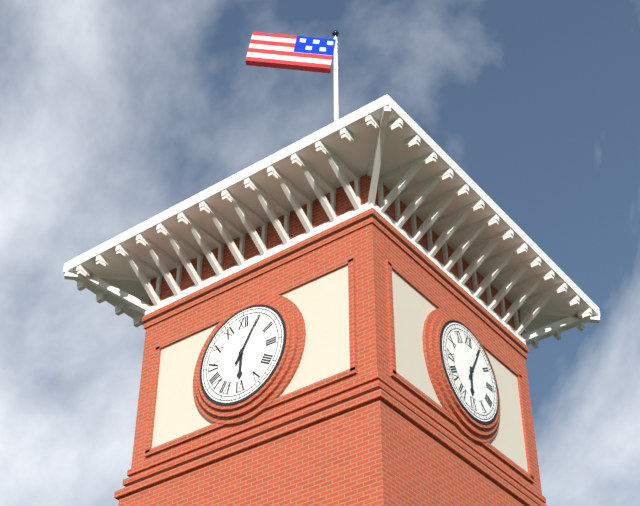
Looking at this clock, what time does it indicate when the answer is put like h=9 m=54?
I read h=6 m=5
